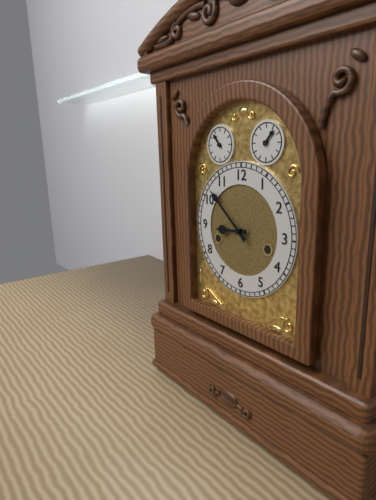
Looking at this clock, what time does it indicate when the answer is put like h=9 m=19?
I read h=8 m=52
